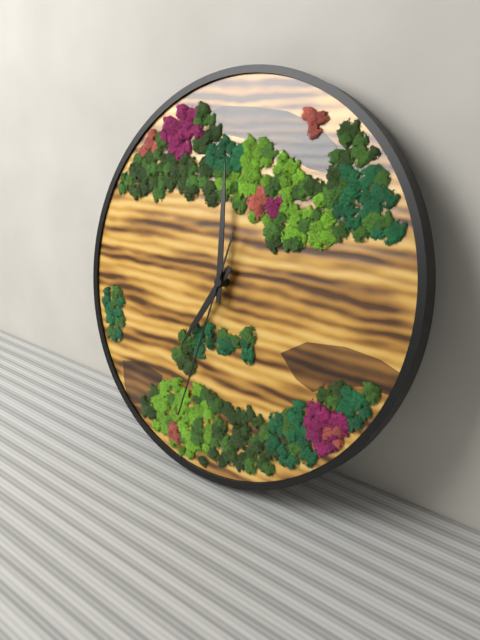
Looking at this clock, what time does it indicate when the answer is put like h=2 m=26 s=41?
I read h=6 m=59 s=32
